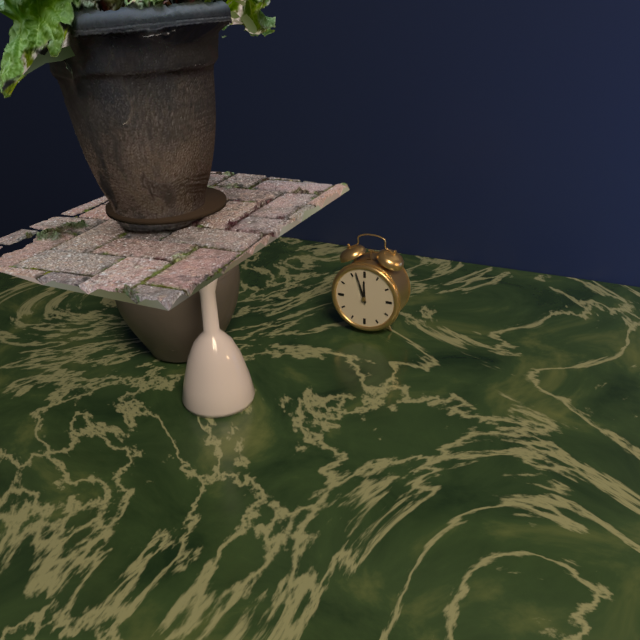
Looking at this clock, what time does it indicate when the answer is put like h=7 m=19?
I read h=11 m=57
